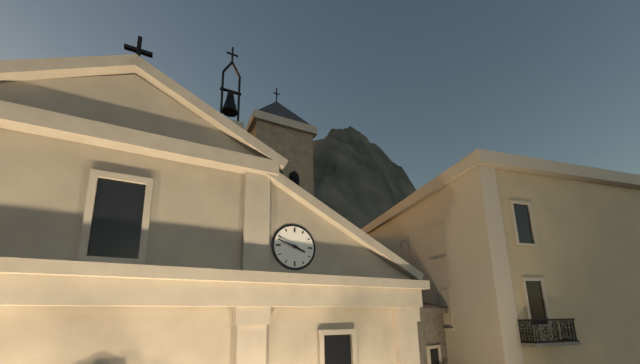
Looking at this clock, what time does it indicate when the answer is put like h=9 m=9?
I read h=3 m=48
